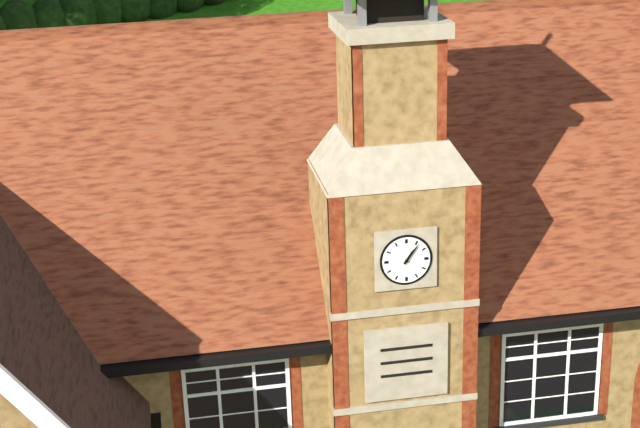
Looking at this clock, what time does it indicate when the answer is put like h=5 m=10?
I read h=1 m=6
